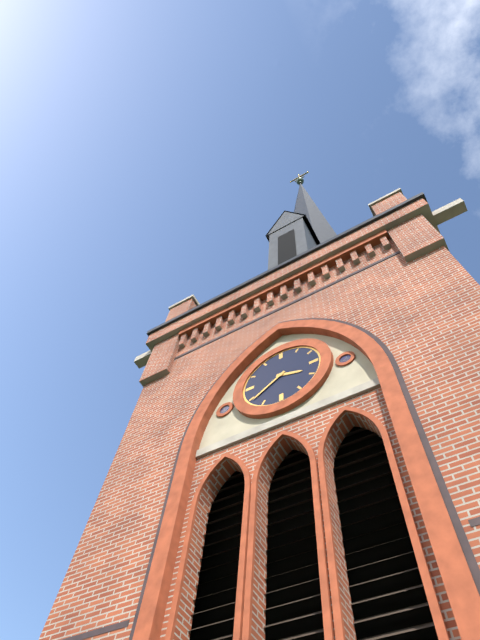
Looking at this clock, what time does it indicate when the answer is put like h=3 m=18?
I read h=3 m=39
